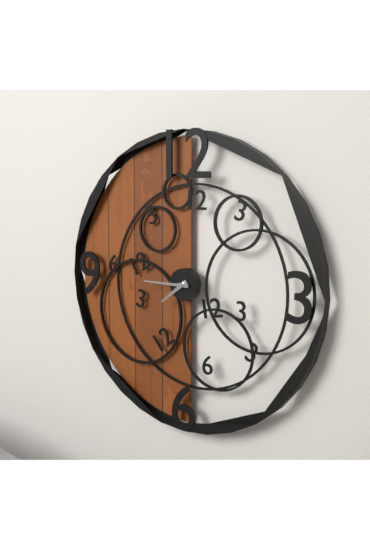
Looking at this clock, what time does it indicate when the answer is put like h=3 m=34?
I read h=7 m=45
